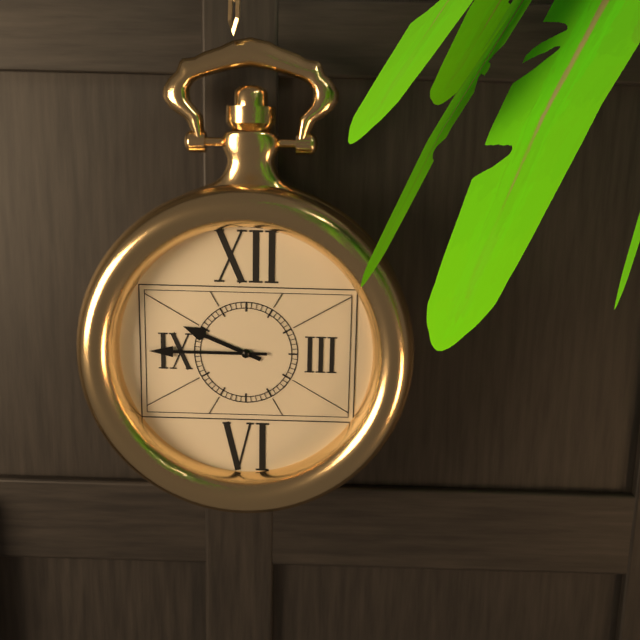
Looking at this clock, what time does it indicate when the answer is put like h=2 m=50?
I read h=9 m=45
